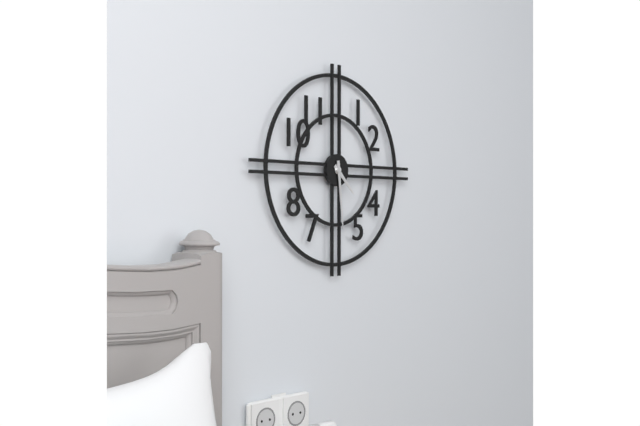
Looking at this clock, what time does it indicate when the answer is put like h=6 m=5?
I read h=4 m=29
